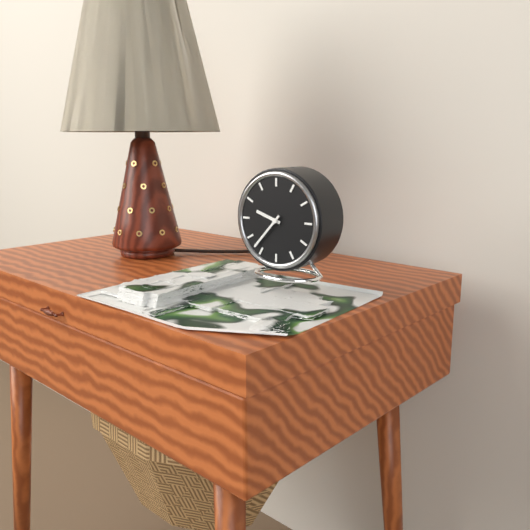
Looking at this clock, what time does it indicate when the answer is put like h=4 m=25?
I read h=9 m=37
